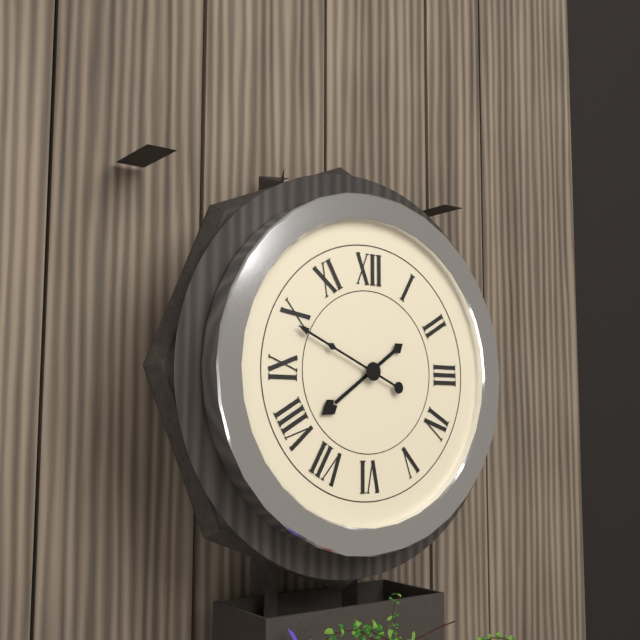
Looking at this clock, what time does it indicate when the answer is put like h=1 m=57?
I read h=7 m=49
